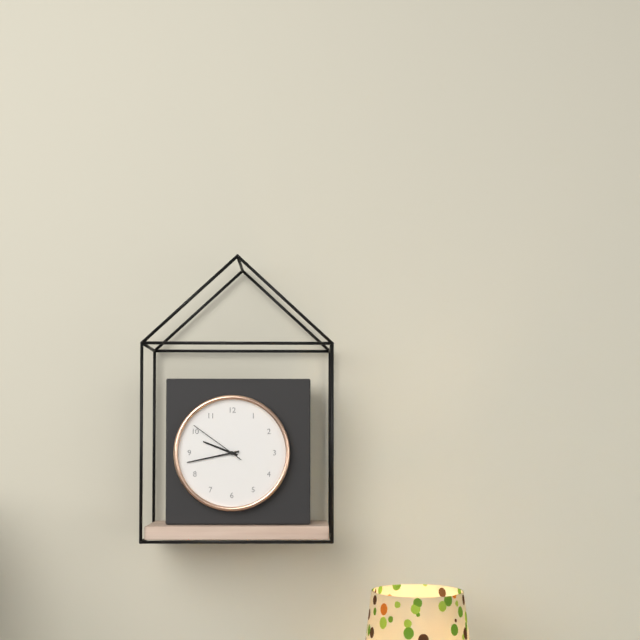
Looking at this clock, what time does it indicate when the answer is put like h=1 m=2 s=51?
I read h=9 m=43 s=51
